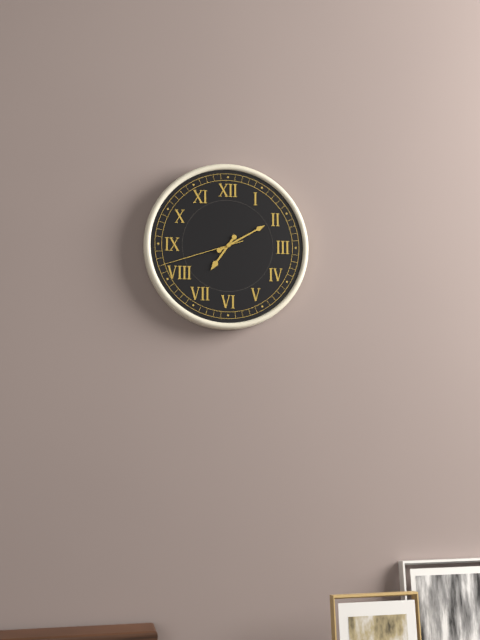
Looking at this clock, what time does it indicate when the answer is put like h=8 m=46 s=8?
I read h=7 m=10 s=42
